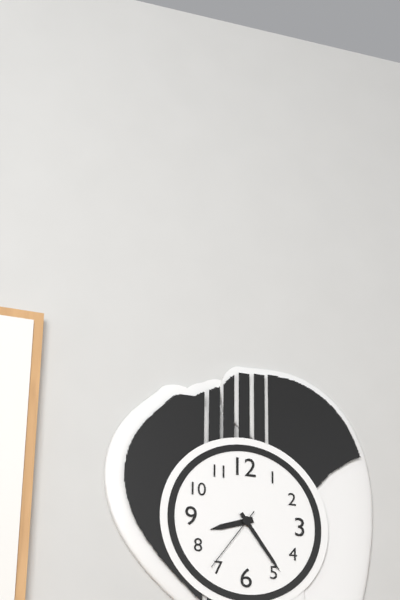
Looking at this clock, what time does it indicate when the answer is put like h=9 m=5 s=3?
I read h=8 m=24 s=36
